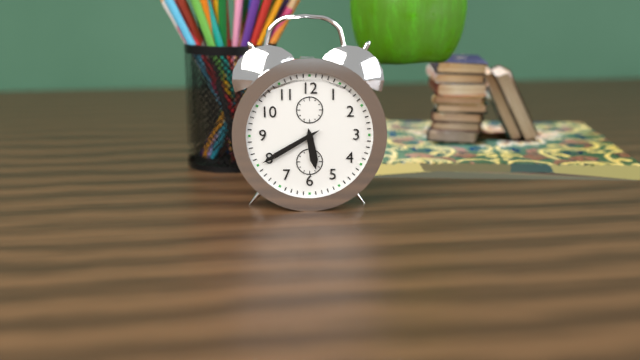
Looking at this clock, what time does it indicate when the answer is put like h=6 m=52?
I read h=5 m=40
